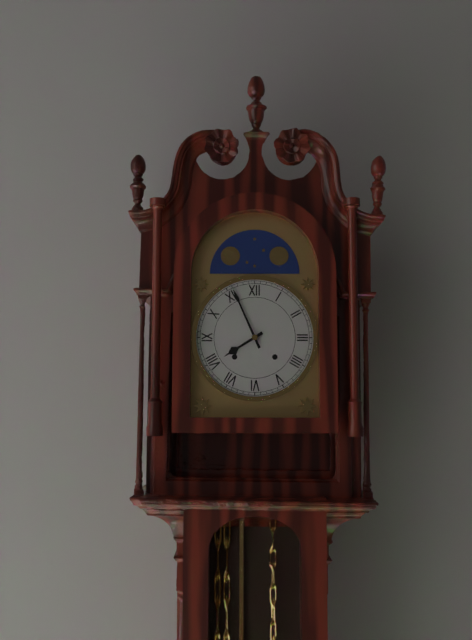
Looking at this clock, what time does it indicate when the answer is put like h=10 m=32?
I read h=7 m=56
